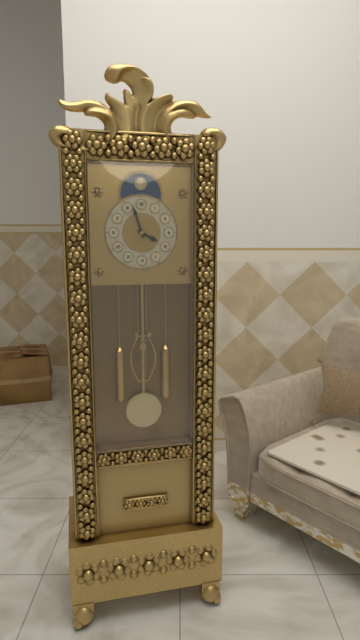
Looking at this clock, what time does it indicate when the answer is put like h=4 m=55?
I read h=3 m=57
